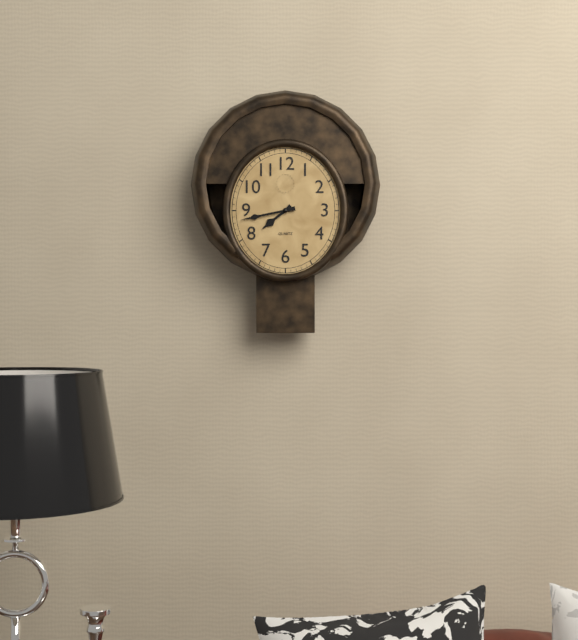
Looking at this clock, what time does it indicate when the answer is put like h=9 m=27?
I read h=7 m=43
